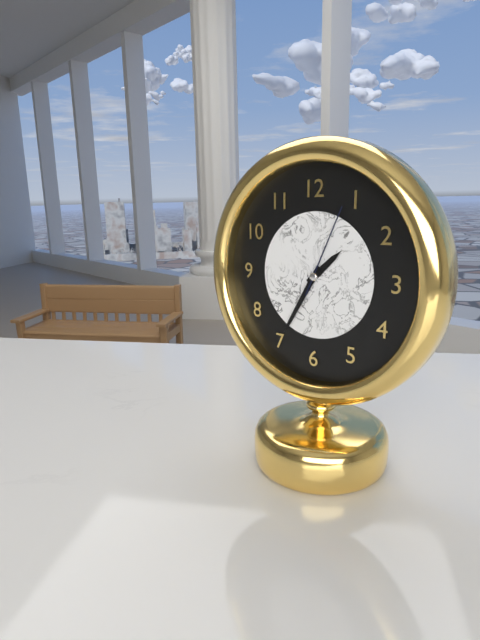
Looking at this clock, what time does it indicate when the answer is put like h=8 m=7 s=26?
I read h=1 m=35 s=4
